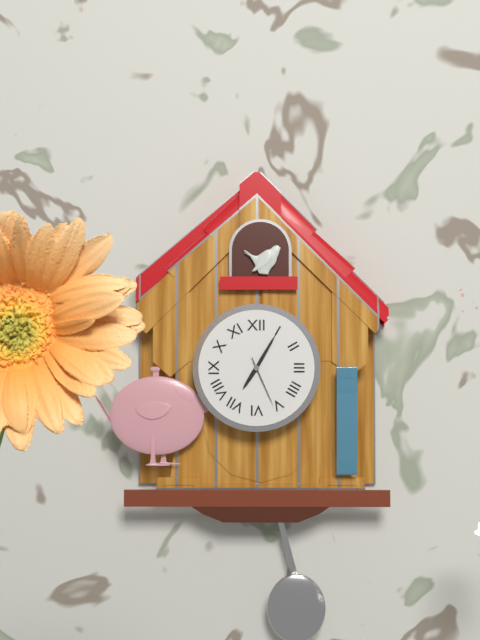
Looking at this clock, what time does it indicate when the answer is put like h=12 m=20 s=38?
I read h=7 m=5 s=26
